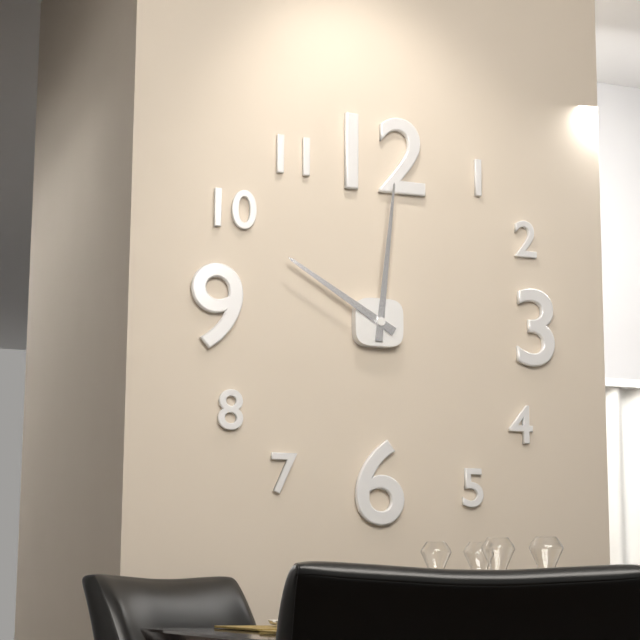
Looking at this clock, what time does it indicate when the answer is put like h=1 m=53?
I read h=10 m=1
